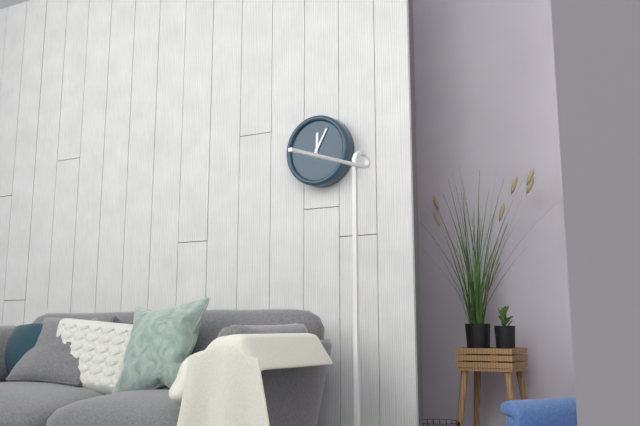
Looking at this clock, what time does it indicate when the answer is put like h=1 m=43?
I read h=12 m=5
